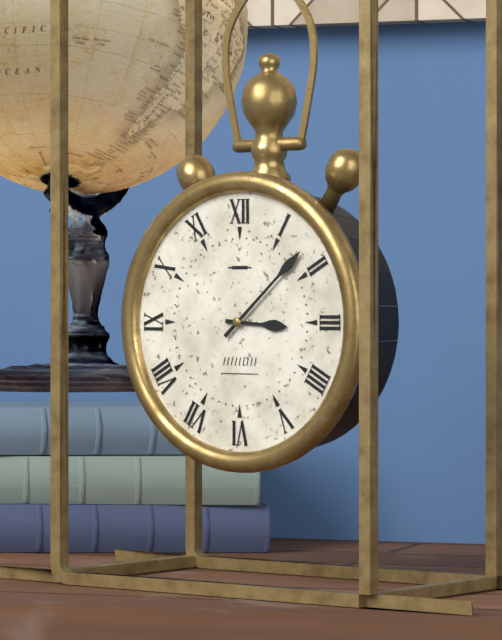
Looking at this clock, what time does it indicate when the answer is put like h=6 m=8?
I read h=3 m=8
